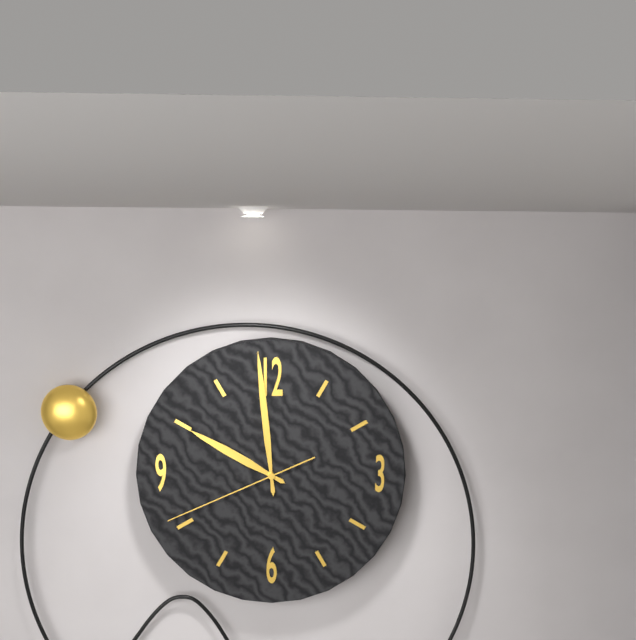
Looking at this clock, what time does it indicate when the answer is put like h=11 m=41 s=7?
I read h=9 m=59 s=41
